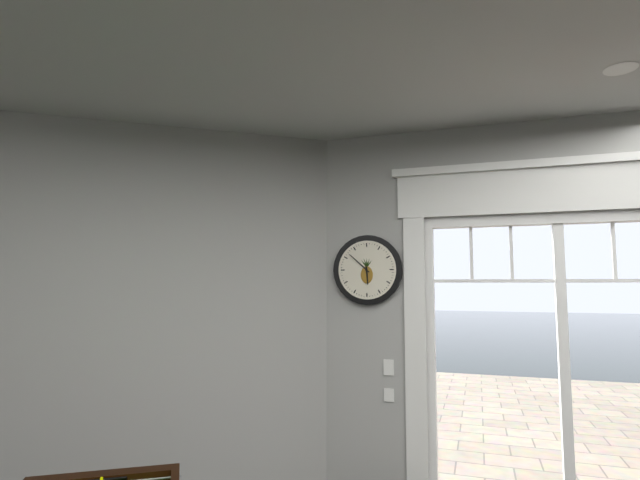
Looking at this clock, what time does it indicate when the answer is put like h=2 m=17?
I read h=5 m=52
